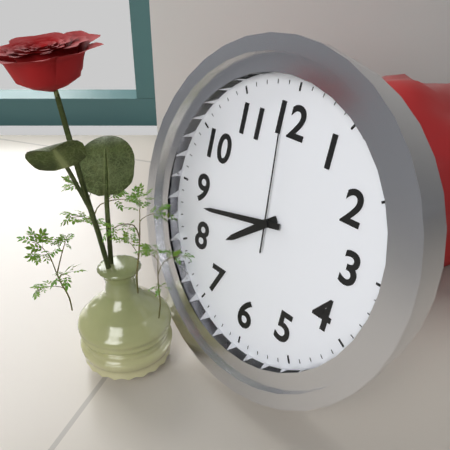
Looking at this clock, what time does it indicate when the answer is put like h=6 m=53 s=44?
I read h=7 m=43 s=59
